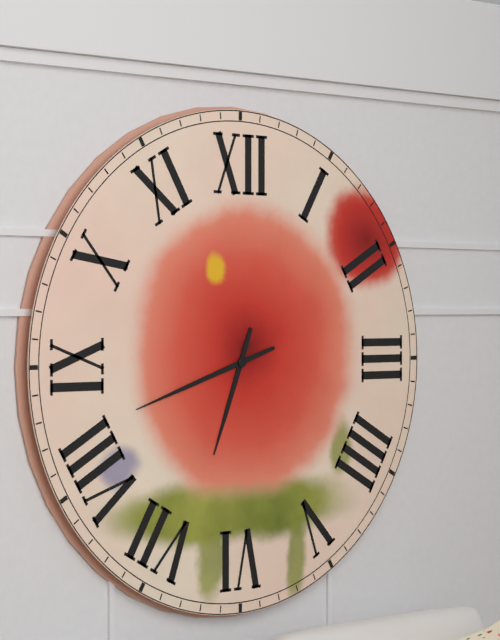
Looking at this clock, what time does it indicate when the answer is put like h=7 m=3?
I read h=6 m=42
